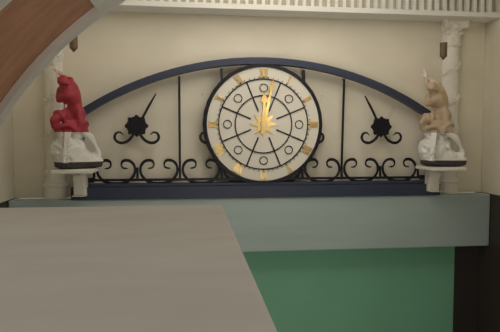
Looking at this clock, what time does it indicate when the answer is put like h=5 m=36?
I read h=12 m=2
